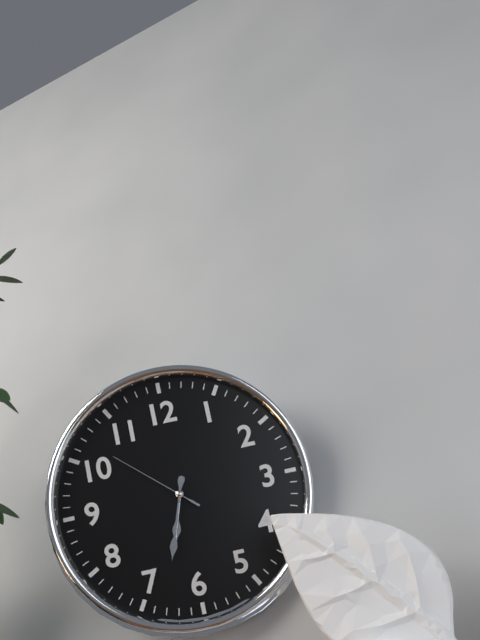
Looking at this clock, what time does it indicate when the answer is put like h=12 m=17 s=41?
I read h=6 m=33 s=52
